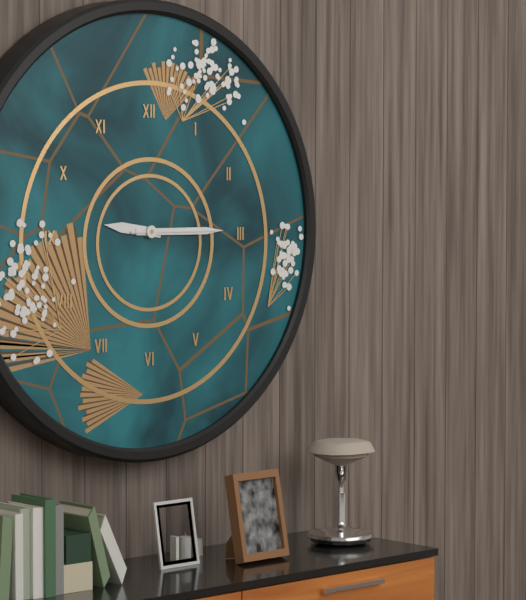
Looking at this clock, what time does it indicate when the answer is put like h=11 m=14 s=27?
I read h=9 m=15 s=15
